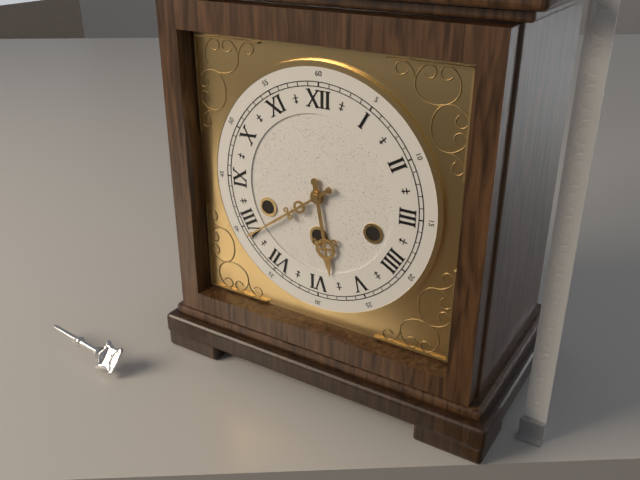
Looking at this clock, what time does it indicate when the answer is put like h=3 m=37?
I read h=5 m=39
